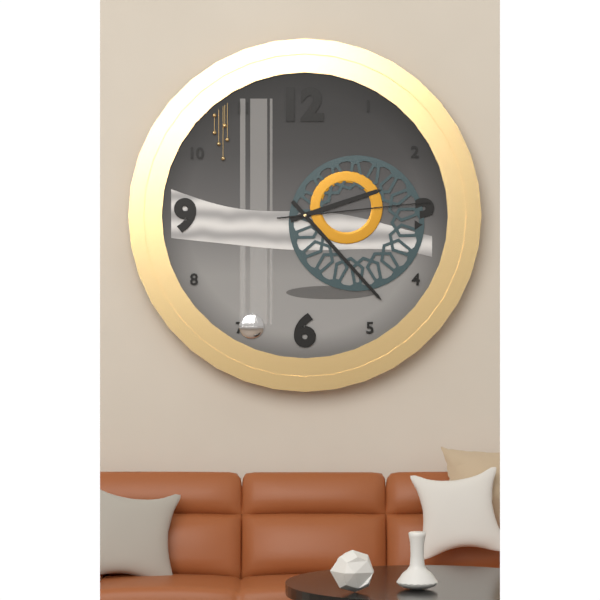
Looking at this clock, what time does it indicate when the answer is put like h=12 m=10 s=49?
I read h=2 m=23 s=14
